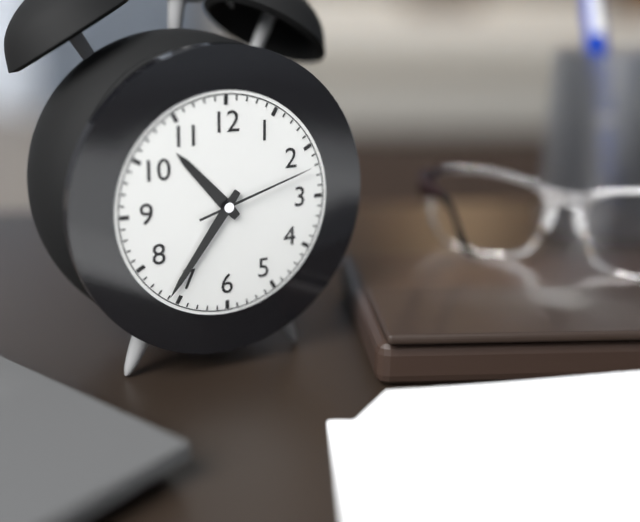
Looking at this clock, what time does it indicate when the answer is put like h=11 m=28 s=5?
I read h=10 m=36 s=12
